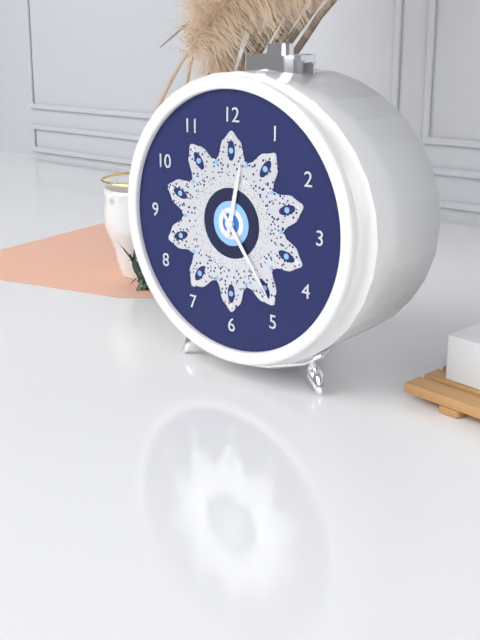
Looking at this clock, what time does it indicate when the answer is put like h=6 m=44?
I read h=12 m=24
